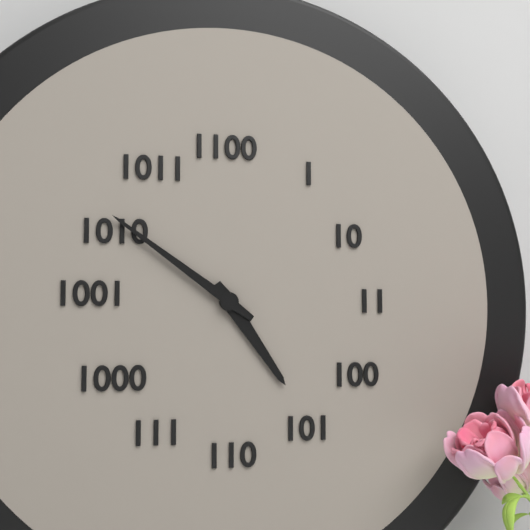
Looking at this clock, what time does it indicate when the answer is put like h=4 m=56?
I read h=4 m=51
